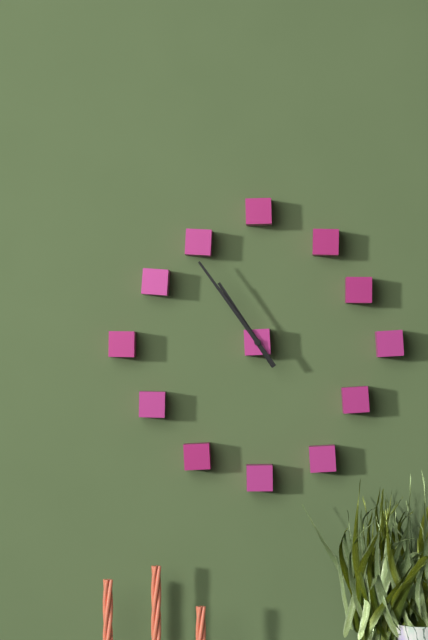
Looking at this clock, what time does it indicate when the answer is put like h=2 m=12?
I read h=10 m=54
